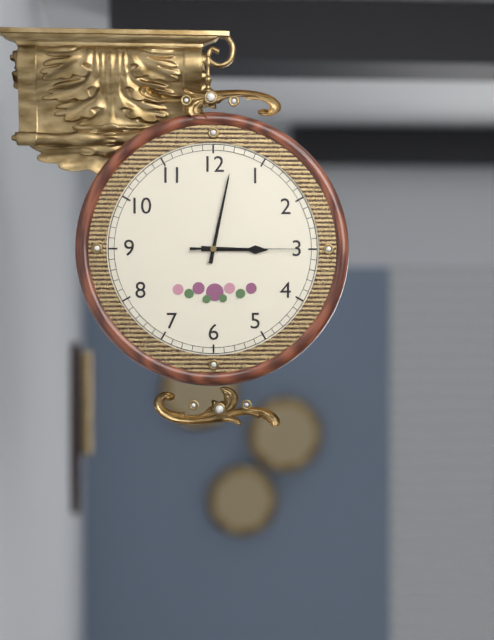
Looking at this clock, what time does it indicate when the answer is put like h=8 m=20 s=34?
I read h=3 m=2 s=15
